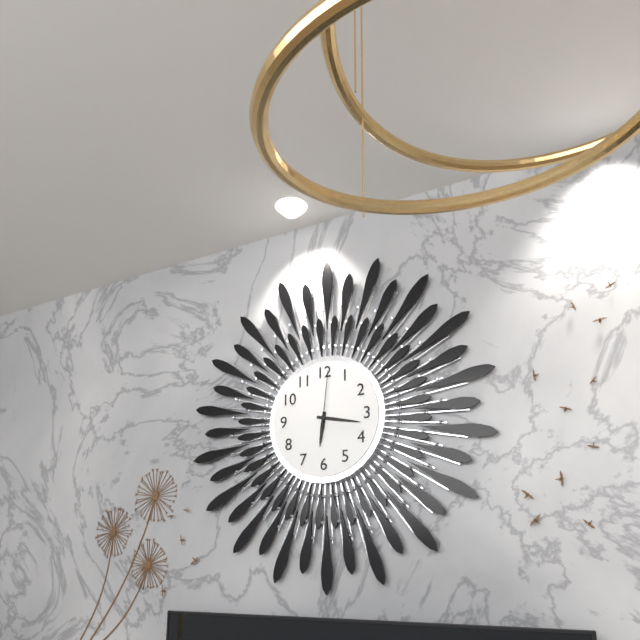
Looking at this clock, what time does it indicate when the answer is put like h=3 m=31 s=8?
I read h=6 m=17 s=1
